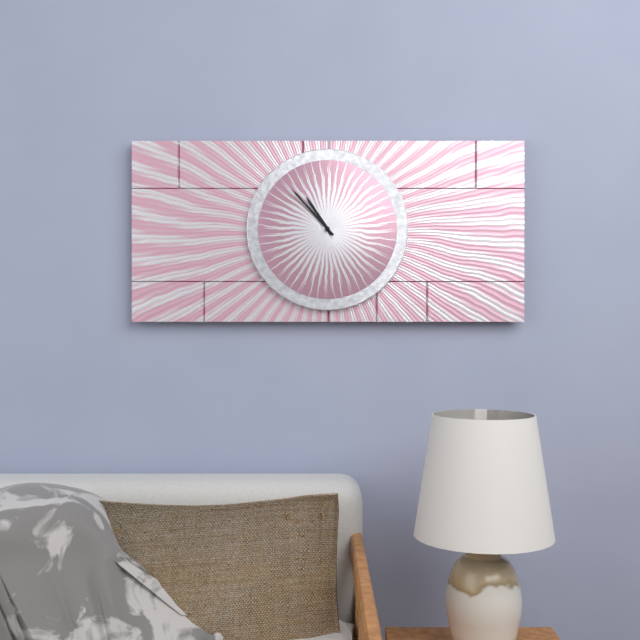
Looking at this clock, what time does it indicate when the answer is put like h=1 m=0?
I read h=10 m=53
